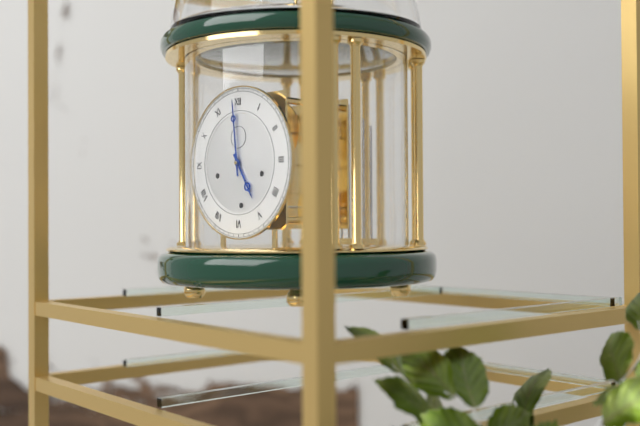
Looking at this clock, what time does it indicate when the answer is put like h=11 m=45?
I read h=4 m=59
